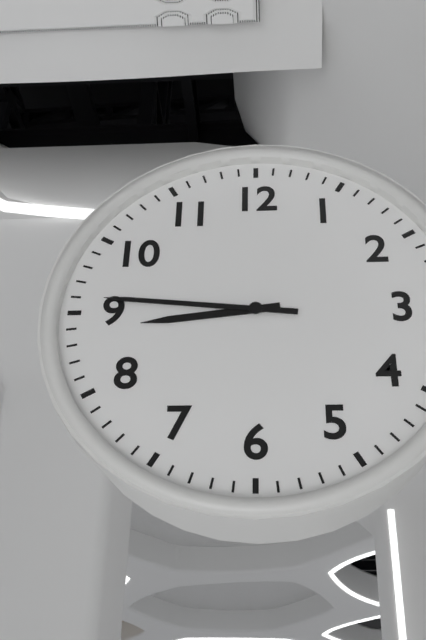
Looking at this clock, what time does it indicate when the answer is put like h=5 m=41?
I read h=8 m=46
